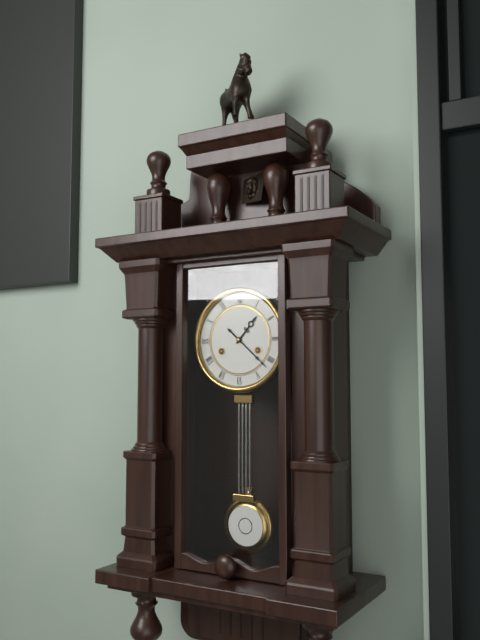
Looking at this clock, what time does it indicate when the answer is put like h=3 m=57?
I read h=1 m=22
